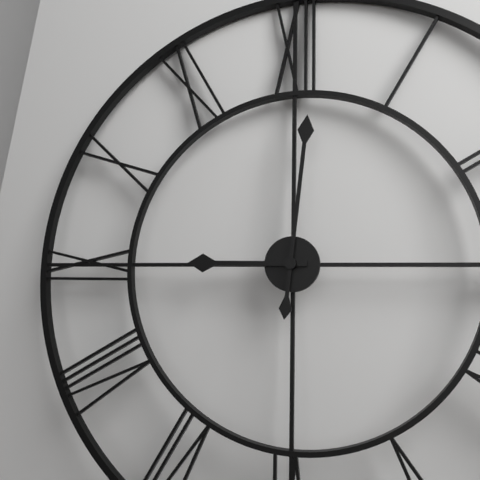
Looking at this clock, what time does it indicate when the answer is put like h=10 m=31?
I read h=9 m=1
